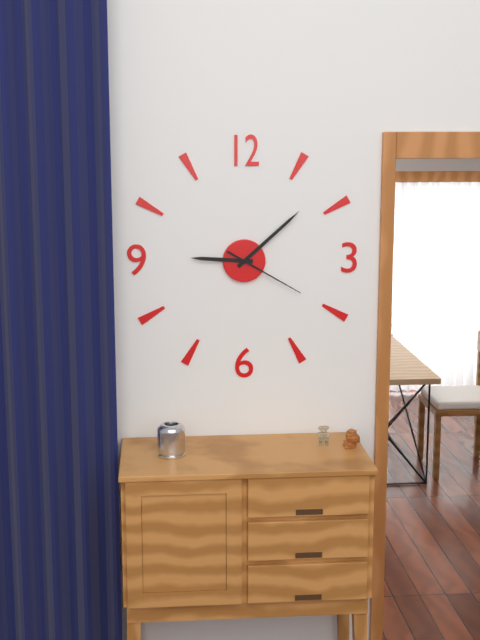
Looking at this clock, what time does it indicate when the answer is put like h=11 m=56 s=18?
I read h=9 m=8 s=20
